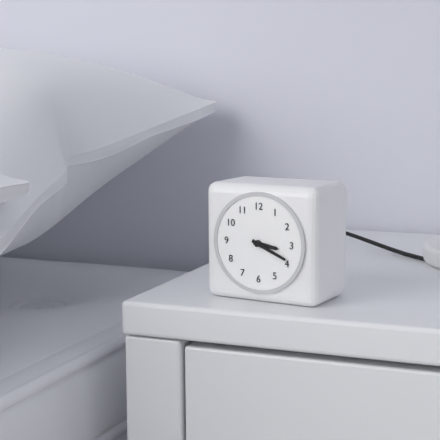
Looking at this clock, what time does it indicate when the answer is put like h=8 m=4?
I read h=3 m=19
